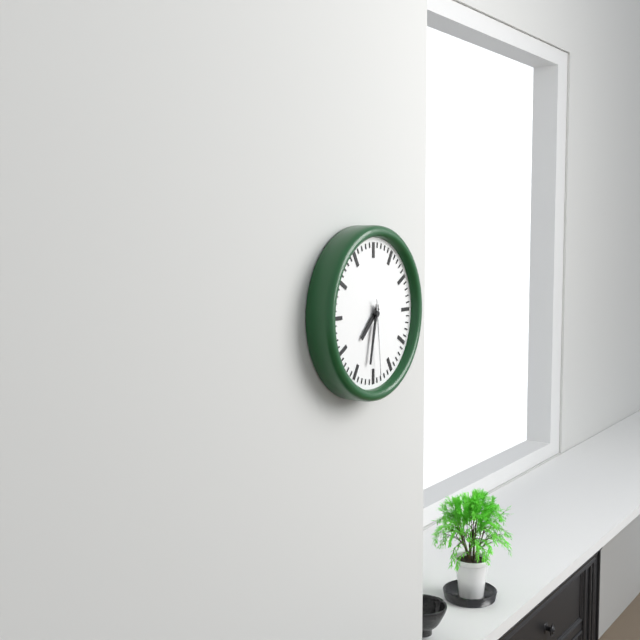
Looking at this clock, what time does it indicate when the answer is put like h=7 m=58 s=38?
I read h=7 m=32 s=29
